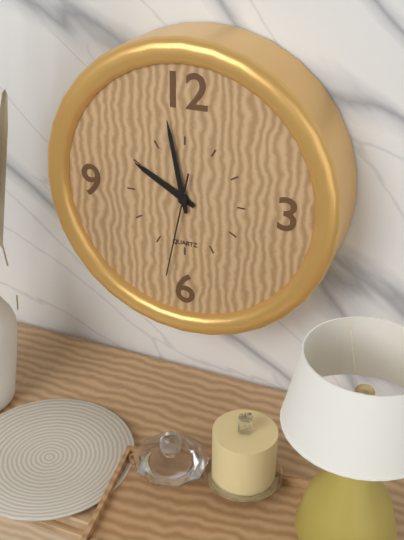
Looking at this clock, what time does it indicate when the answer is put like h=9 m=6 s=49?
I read h=9 m=58 s=32
